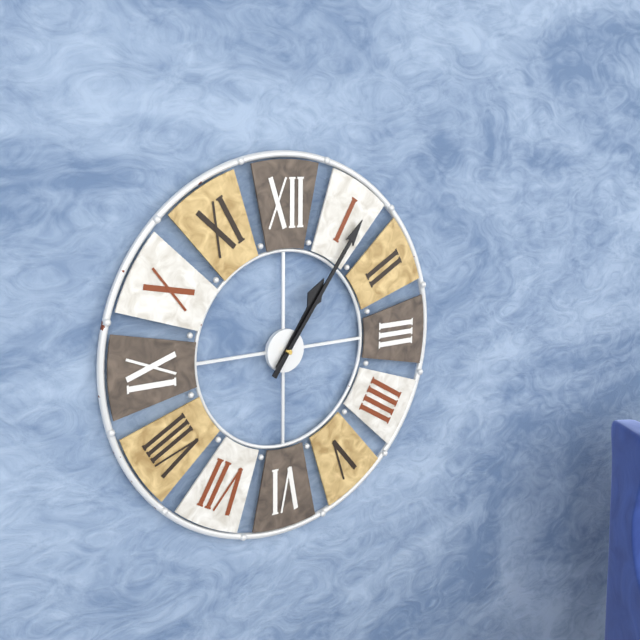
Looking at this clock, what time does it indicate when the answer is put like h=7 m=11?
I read h=1 m=6
